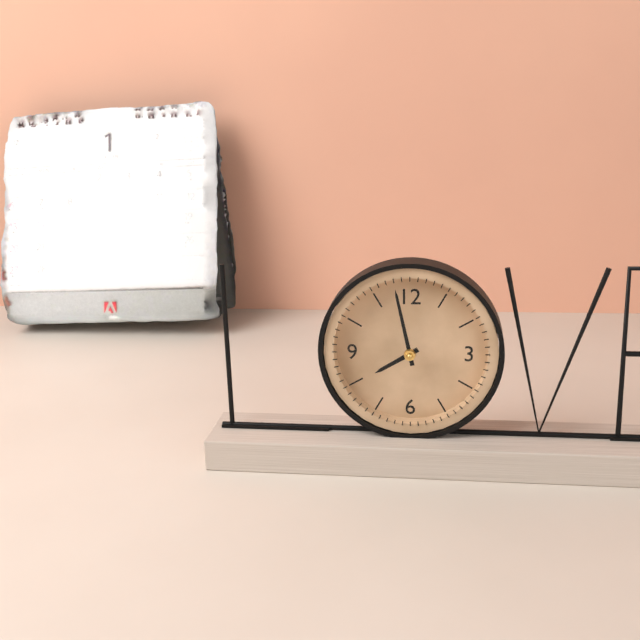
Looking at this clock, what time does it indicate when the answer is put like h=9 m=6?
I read h=7 m=58
